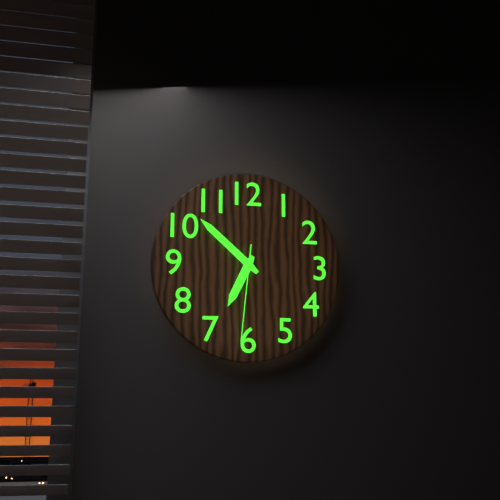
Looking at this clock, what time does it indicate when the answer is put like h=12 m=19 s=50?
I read h=6 m=52 s=31
